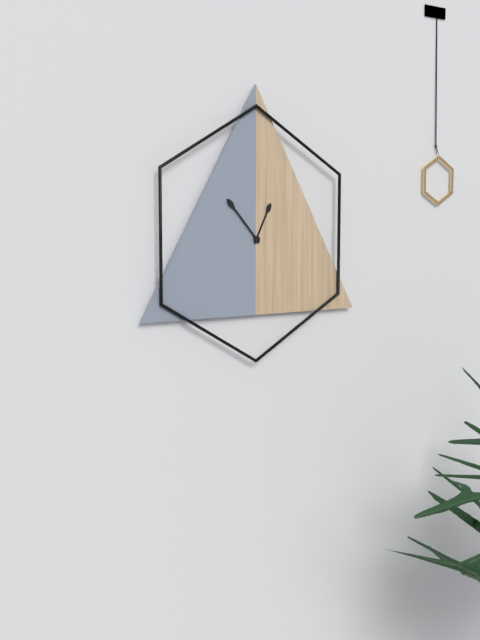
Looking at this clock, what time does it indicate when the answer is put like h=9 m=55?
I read h=12 m=53
